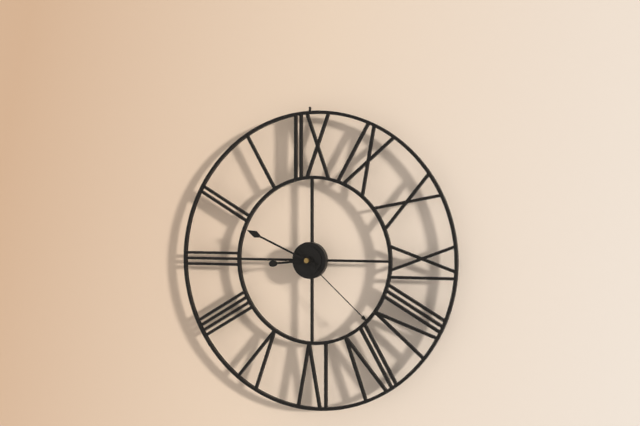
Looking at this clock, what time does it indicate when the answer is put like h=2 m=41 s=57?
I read h=8 m=49 s=22
